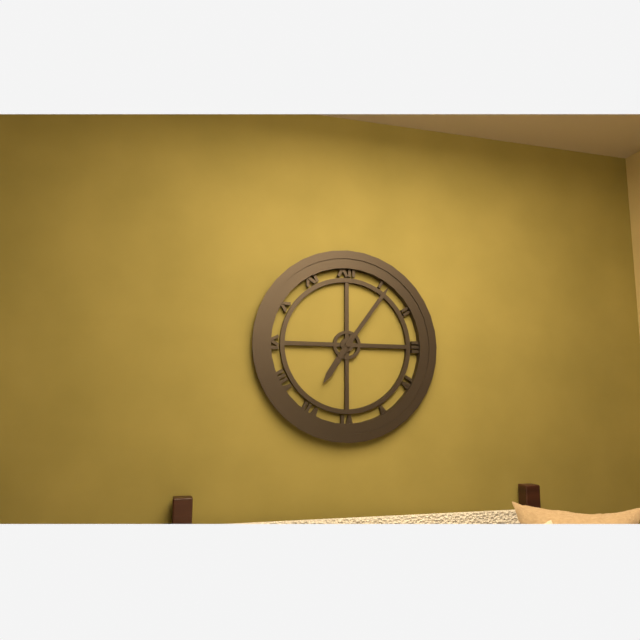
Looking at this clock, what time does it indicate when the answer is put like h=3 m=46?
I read h=7 m=6
